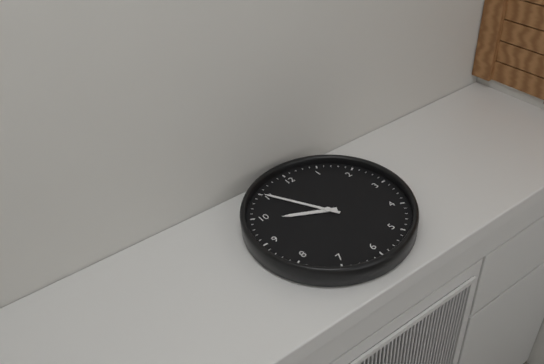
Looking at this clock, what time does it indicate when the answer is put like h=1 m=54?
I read h=9 m=55
